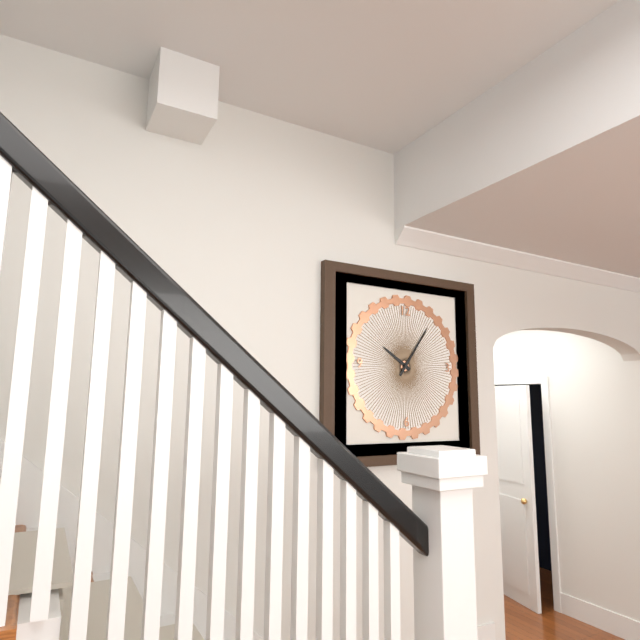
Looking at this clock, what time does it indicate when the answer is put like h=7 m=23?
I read h=10 m=6
